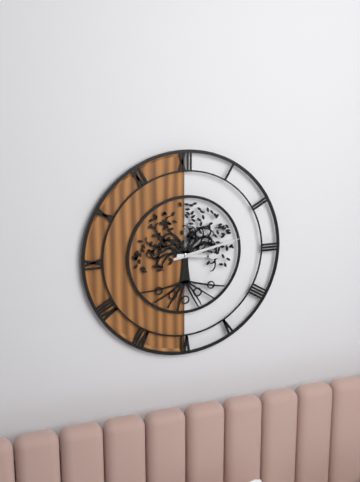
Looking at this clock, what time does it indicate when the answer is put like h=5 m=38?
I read h=3 m=13
